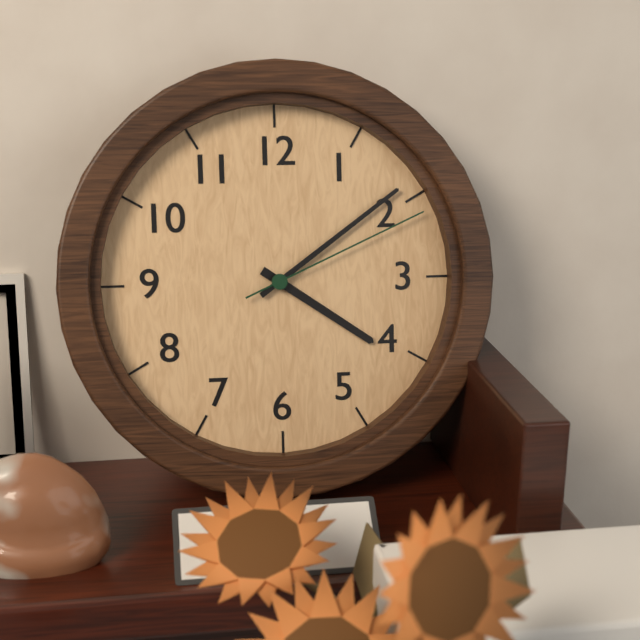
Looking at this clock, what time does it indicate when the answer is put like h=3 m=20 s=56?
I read h=4 m=9 s=11
